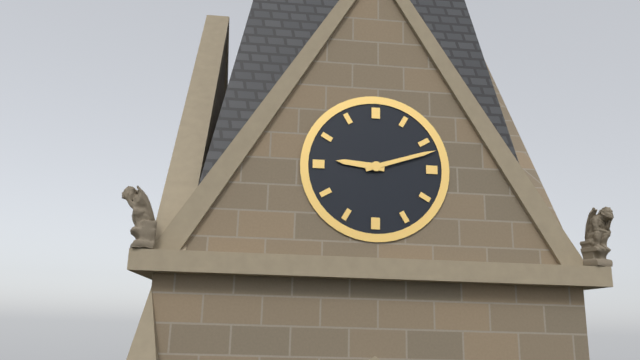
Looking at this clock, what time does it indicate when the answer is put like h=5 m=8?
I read h=9 m=12
